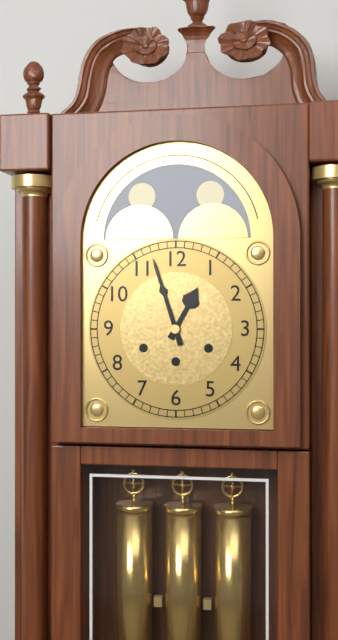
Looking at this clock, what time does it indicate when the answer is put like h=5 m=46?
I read h=12 m=57
